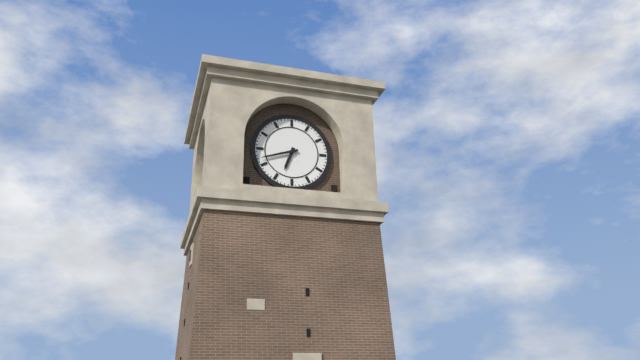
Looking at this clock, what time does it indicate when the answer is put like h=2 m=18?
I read h=6 m=42
